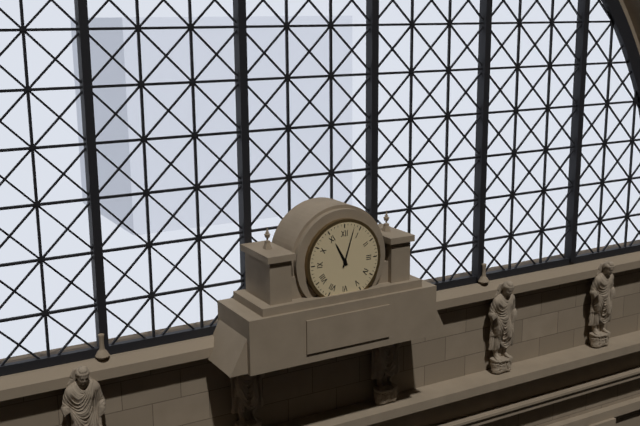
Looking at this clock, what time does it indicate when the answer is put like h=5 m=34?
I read h=11 m=3
